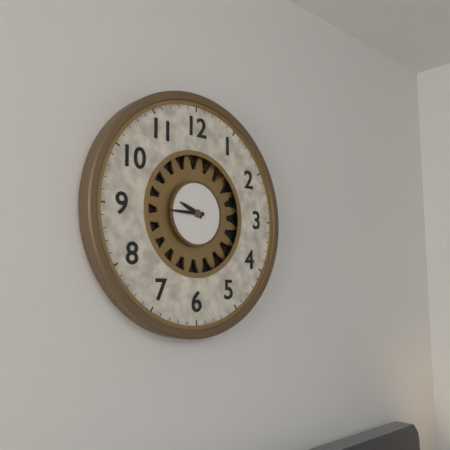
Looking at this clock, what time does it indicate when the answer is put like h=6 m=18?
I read h=9 m=45
